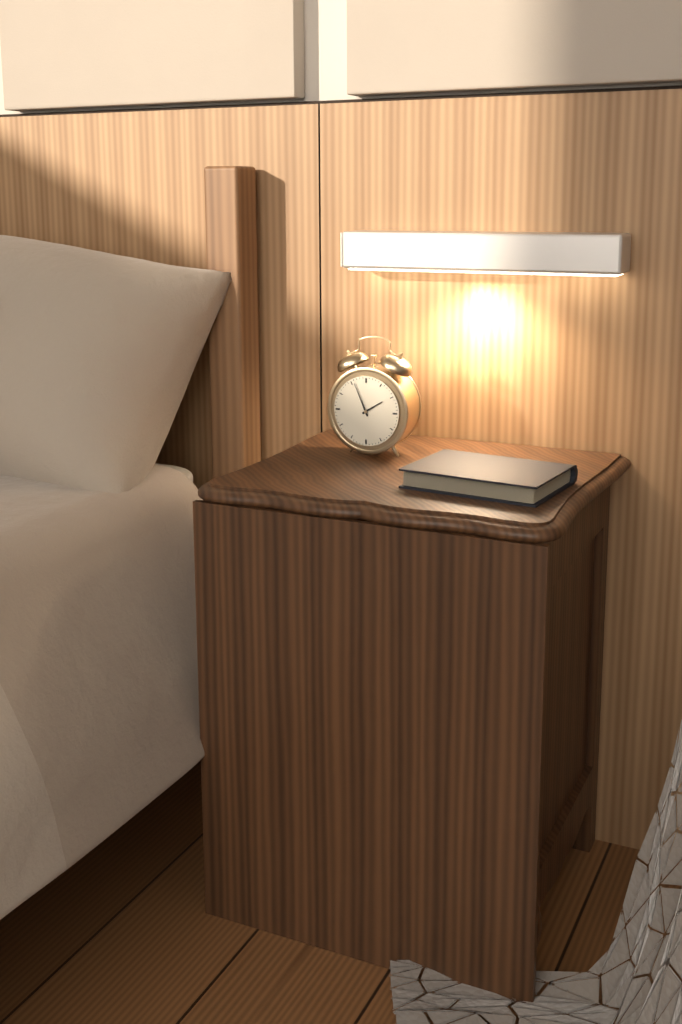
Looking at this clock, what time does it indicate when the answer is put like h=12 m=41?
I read h=1 m=56
